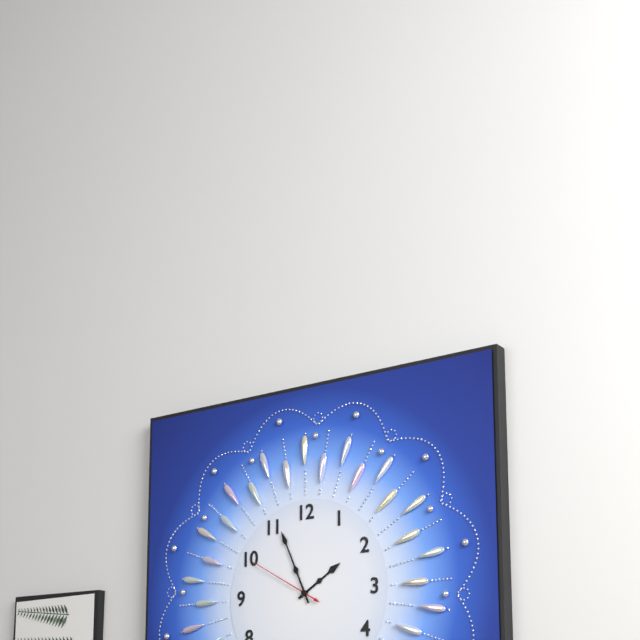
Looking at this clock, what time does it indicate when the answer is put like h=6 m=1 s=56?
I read h=1 m=56 s=50
